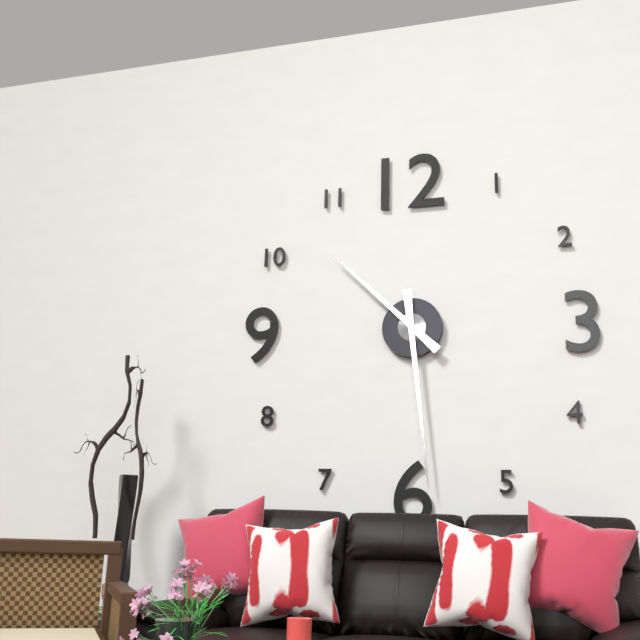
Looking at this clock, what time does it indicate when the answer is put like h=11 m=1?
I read h=10 m=29
